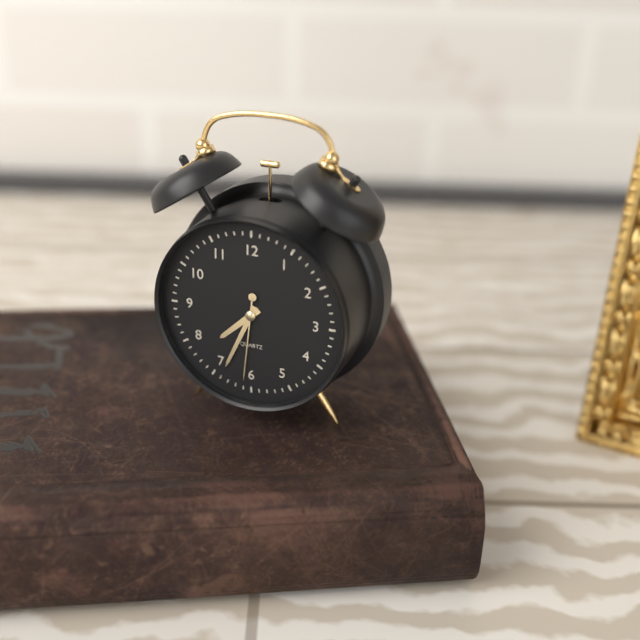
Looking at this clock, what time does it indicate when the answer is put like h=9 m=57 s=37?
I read h=7 m=34 s=31
